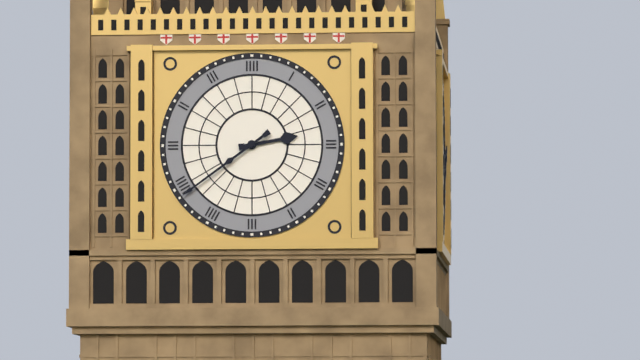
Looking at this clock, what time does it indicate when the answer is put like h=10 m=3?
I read h=2 m=39
